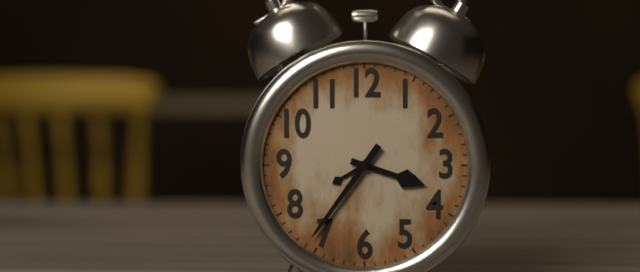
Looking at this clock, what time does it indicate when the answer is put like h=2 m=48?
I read h=3 m=36
